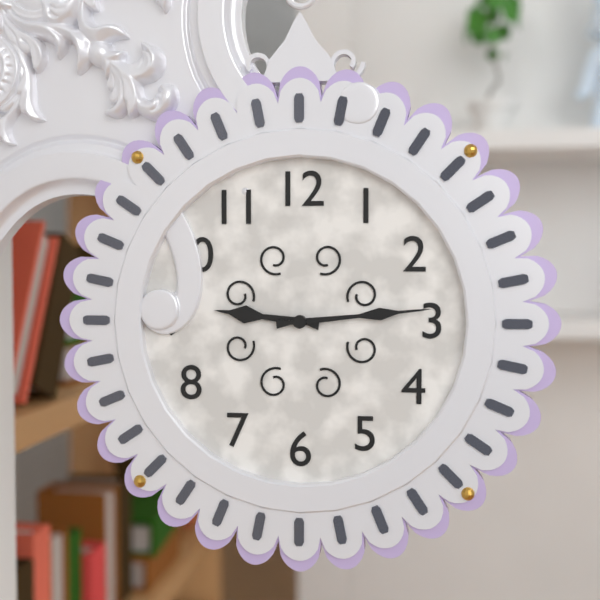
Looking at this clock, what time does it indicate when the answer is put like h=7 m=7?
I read h=9 m=14
